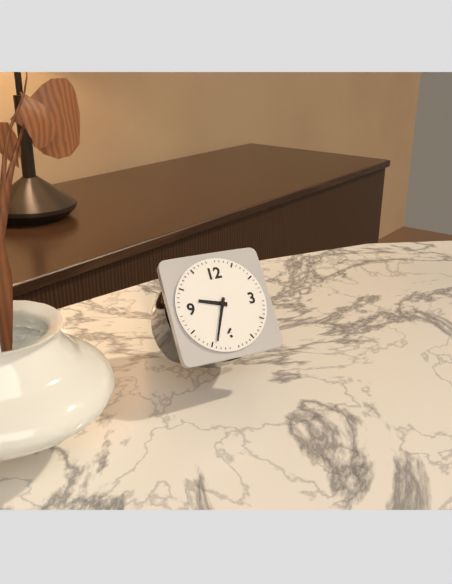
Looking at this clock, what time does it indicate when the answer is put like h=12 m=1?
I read h=9 m=34
